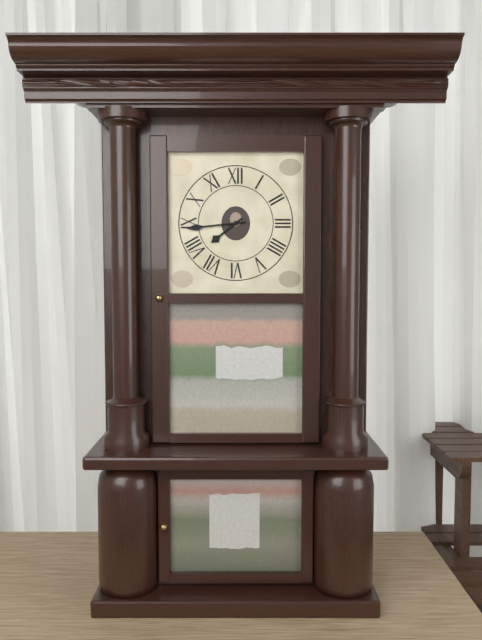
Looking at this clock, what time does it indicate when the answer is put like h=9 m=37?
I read h=7 m=44
